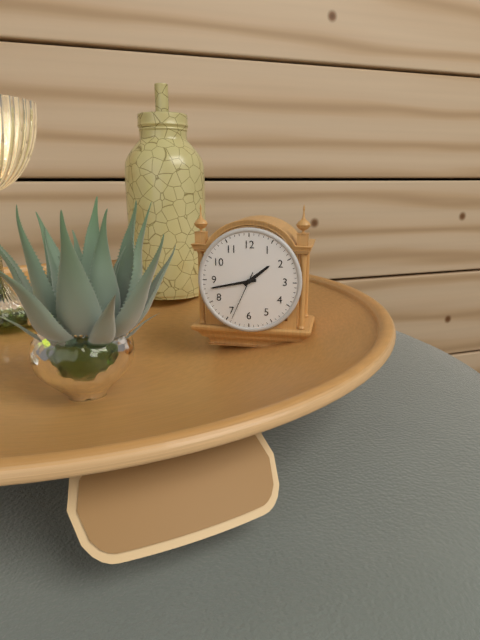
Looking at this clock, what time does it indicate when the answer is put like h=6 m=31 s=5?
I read h=1 m=43 s=34
